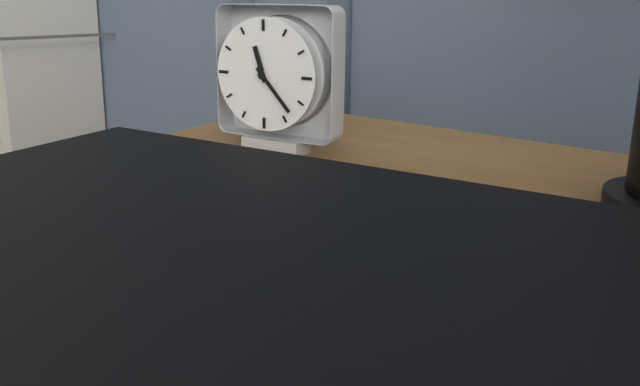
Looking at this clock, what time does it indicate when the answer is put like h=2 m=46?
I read h=11 m=23
